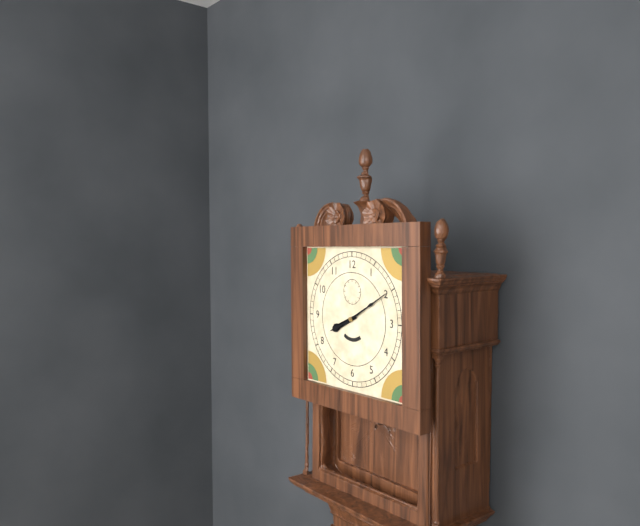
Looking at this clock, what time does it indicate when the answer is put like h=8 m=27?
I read h=8 m=10
